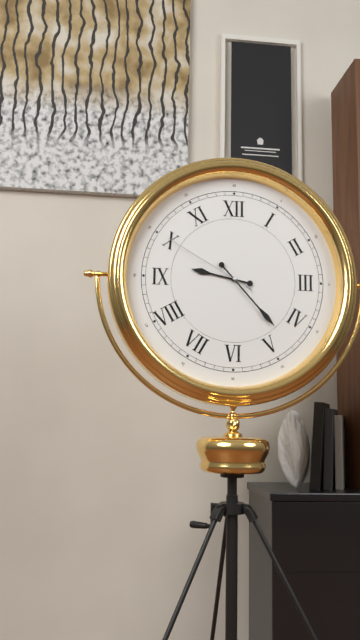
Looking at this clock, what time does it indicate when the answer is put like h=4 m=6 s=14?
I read h=9 m=23 s=50
